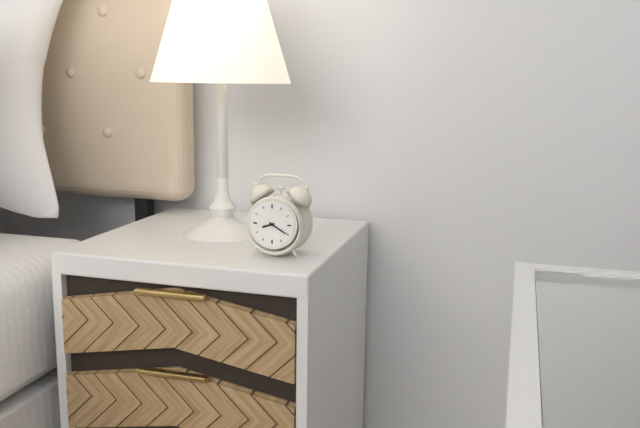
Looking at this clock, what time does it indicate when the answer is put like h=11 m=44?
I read h=8 m=20
